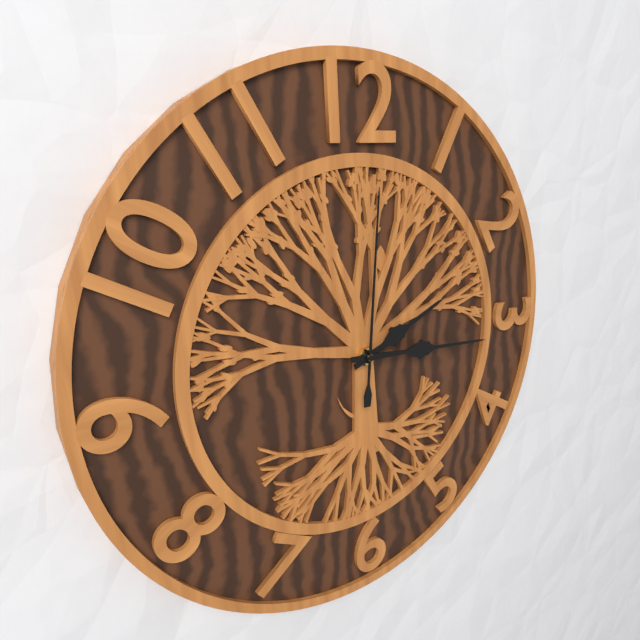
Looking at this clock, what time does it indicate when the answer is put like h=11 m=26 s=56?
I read h=2 m=16 s=1
